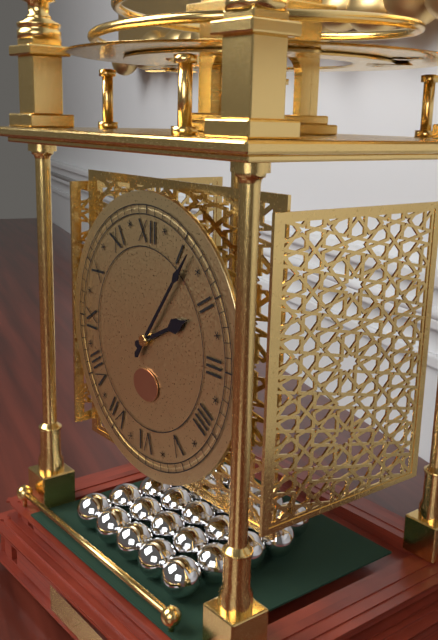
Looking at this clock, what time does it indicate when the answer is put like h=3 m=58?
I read h=2 m=6
